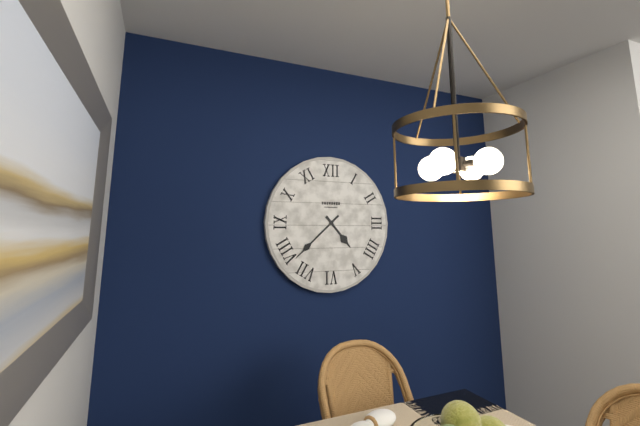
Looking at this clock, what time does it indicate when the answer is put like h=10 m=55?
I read h=4 m=38
